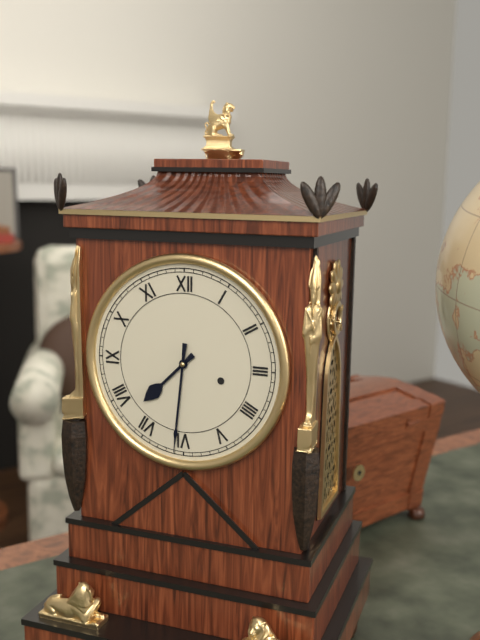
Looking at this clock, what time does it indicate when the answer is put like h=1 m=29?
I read h=7 m=31
